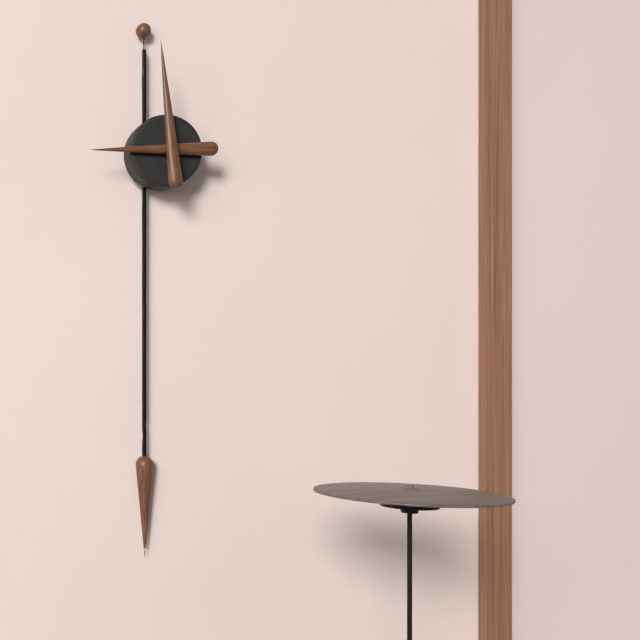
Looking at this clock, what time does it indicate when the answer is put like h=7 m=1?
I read h=8 m=59
